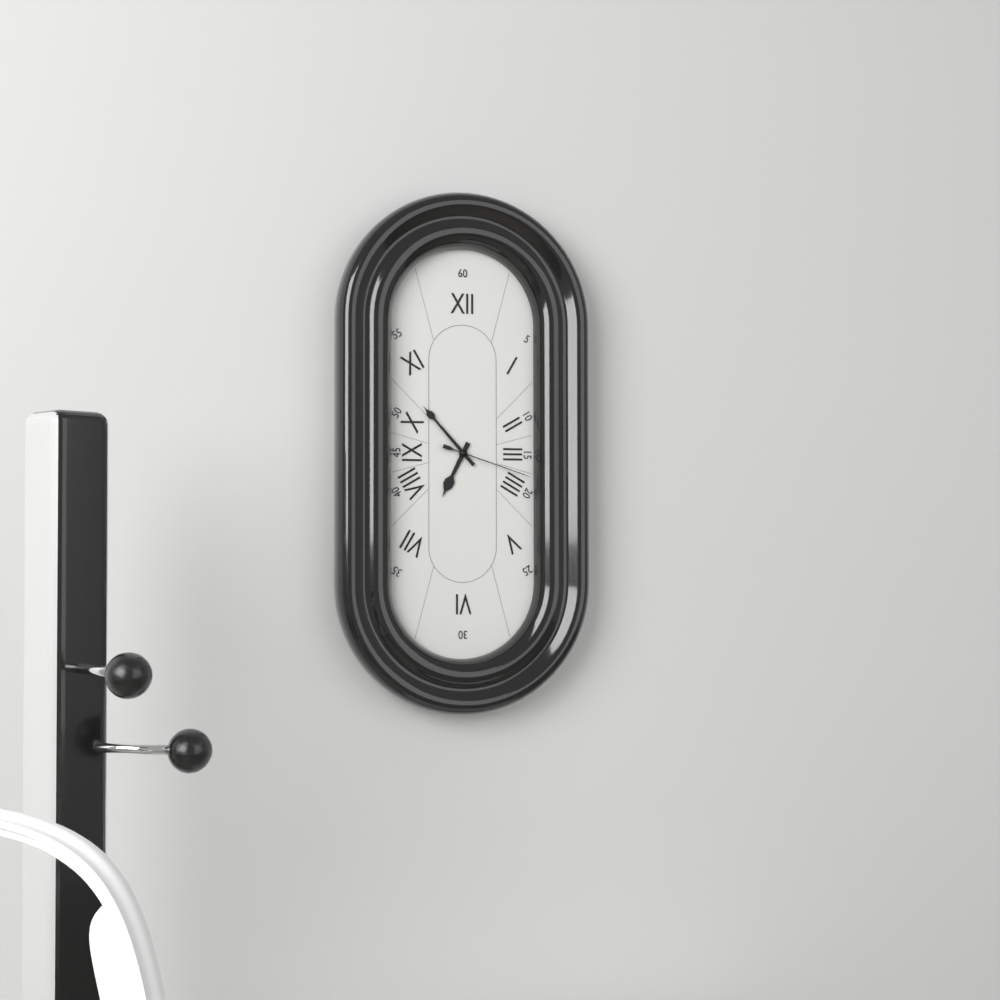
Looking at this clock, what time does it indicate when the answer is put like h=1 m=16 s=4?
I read h=6 m=53 s=18
